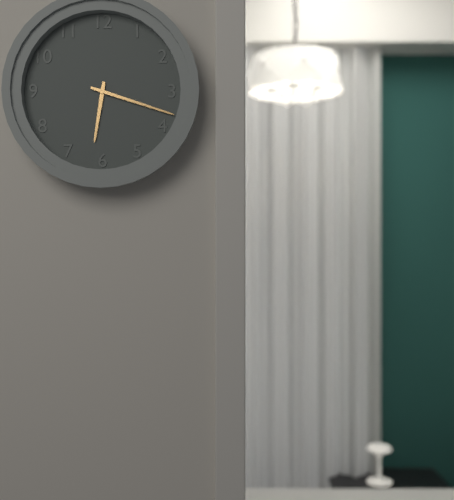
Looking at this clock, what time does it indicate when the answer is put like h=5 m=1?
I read h=6 m=18
